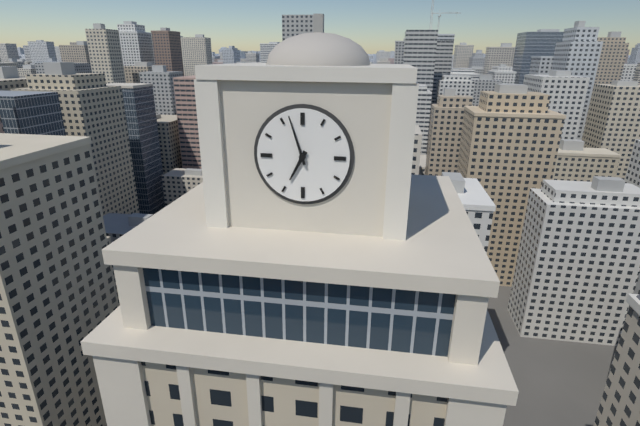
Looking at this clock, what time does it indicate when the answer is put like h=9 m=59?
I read h=6 m=57
